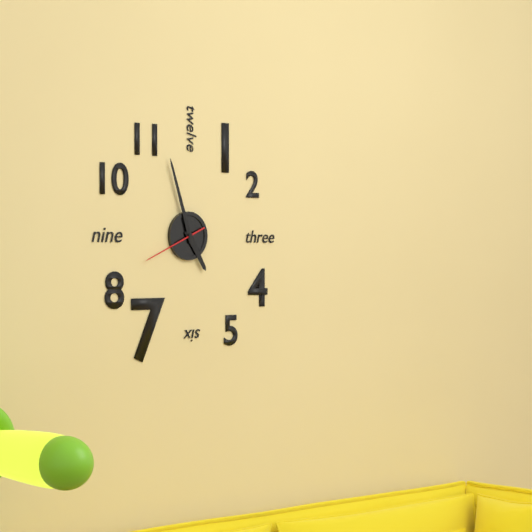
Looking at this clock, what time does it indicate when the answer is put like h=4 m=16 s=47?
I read h=4 m=57 s=41
